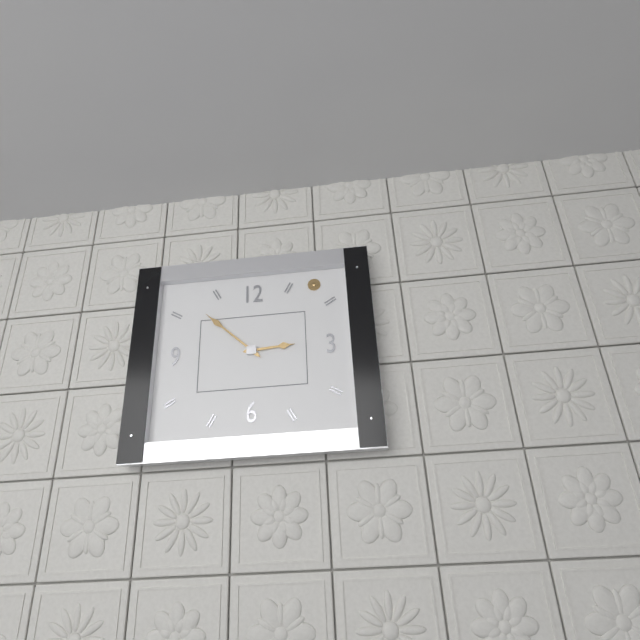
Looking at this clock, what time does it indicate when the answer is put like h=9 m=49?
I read h=2 m=52
